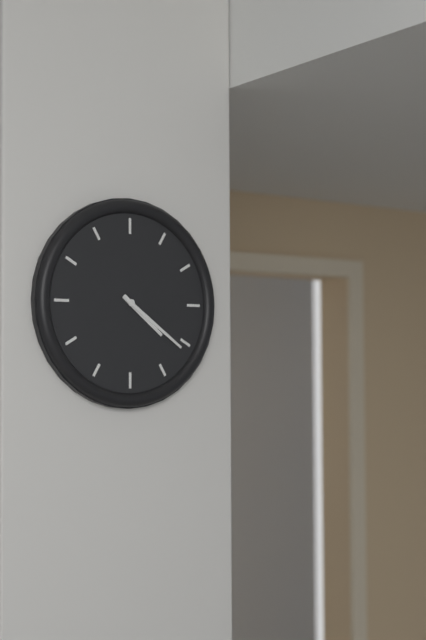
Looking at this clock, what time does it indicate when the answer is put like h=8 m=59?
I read h=4 m=21
